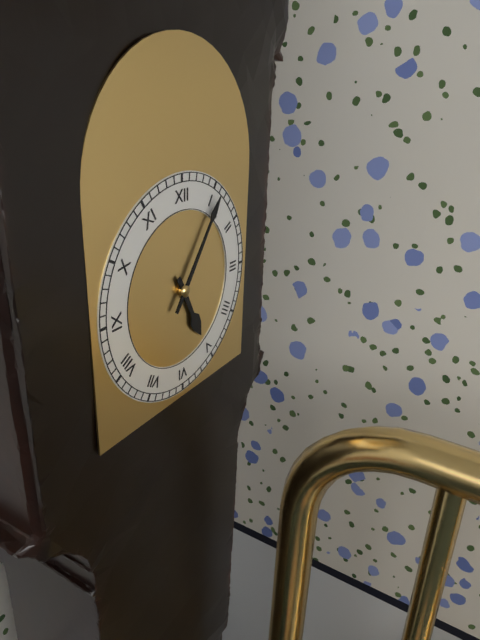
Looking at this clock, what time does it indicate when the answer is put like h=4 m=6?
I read h=5 m=6
